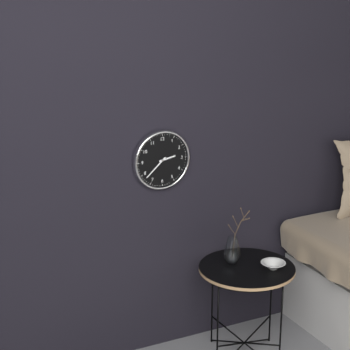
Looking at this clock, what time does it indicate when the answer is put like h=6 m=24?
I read h=2 m=38
